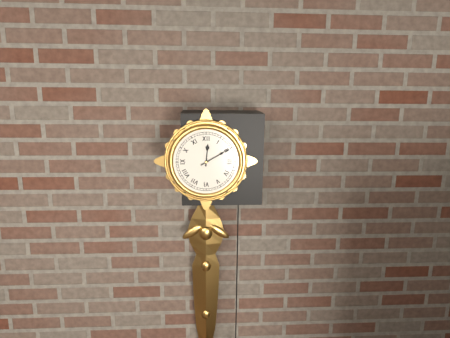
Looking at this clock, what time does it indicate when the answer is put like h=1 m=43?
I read h=12 m=10
